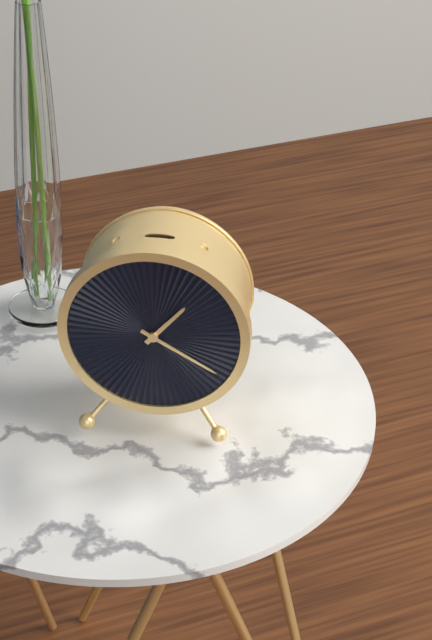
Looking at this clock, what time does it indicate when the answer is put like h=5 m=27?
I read h=1 m=20
